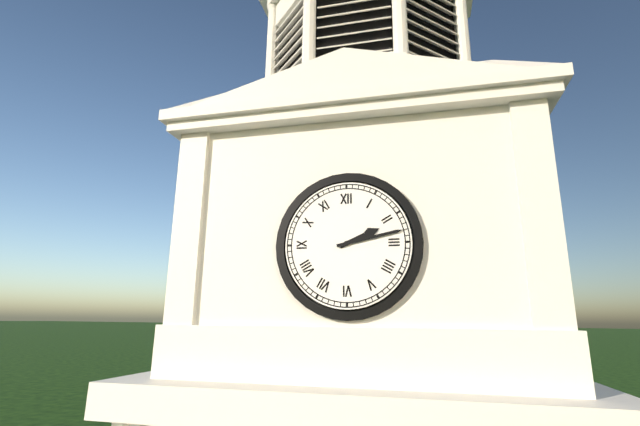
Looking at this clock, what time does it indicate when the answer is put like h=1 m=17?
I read h=2 m=13
